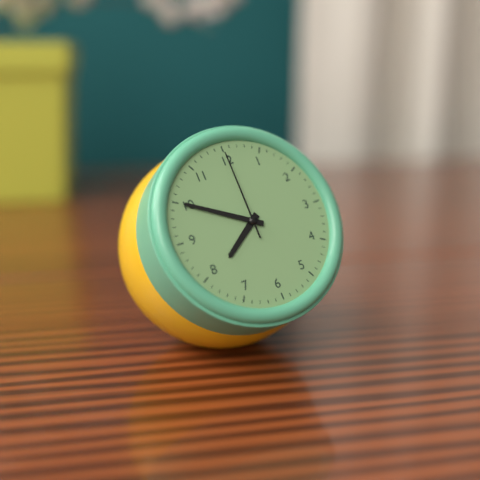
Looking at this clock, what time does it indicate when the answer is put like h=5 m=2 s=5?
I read h=7 m=50 s=0
